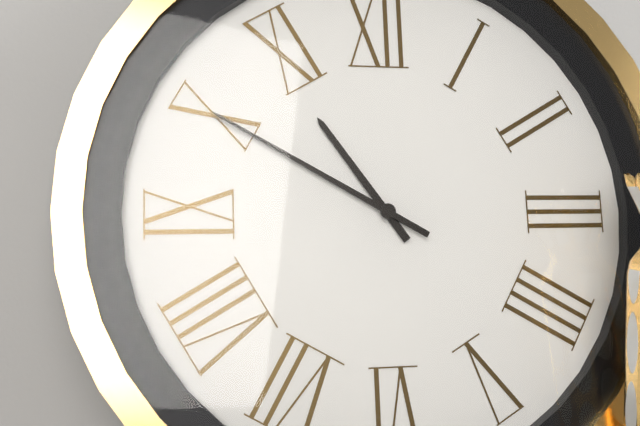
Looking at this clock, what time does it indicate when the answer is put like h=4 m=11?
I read h=10 m=50
